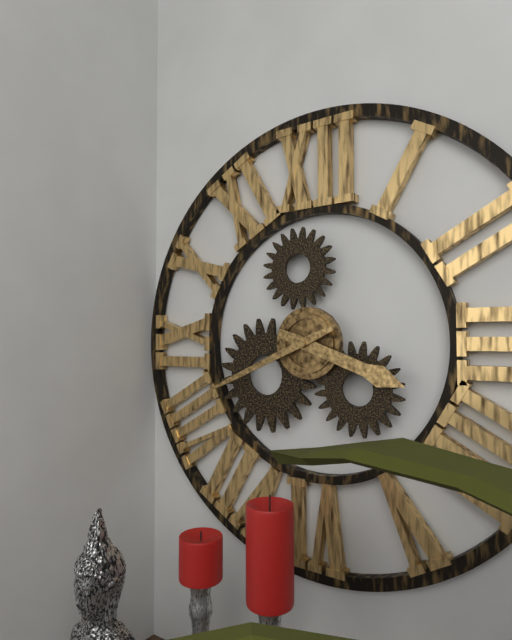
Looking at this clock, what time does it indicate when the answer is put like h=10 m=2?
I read h=3 m=41
